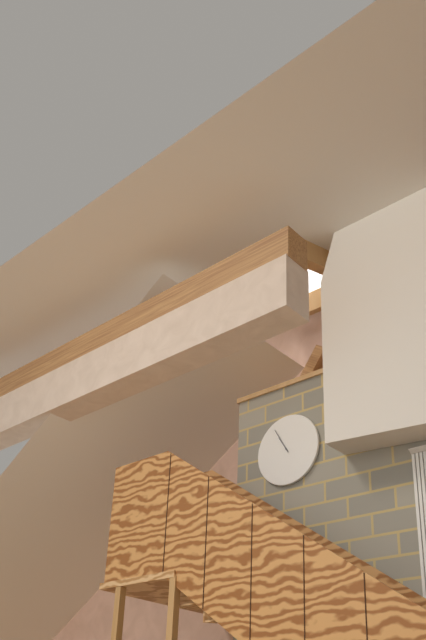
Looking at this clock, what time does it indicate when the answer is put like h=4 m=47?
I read h=10 m=55
